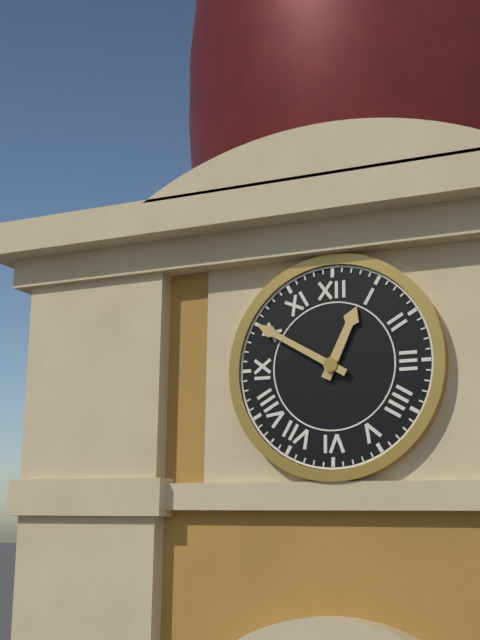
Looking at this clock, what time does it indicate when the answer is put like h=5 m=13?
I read h=12 m=50
